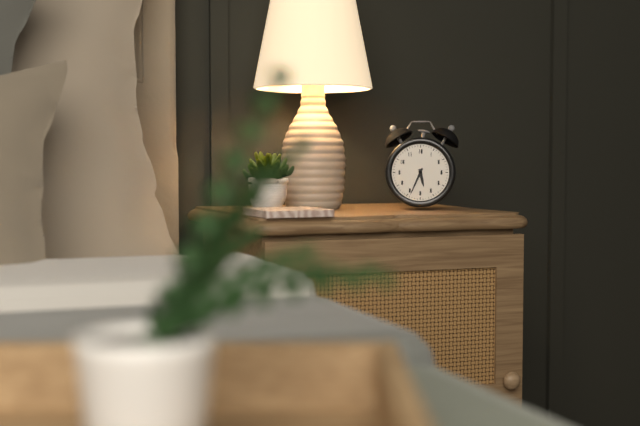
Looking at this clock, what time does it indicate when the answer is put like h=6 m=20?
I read h=5 m=34
